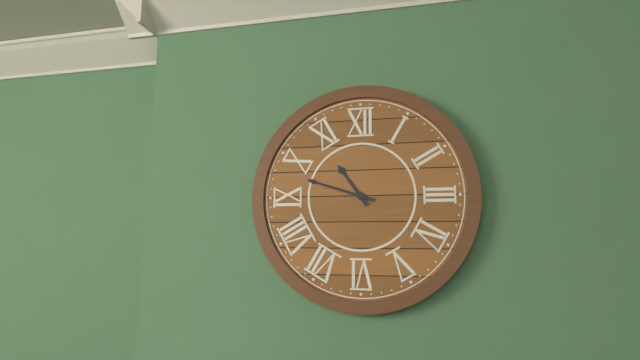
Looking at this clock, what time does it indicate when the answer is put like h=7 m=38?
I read h=10 m=48
